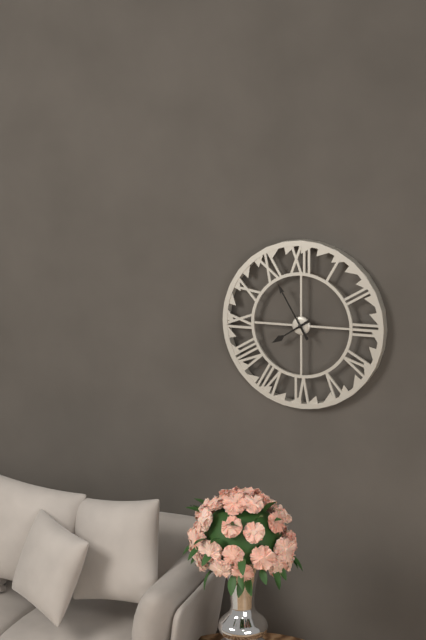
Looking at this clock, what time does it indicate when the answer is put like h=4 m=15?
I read h=7 m=55
